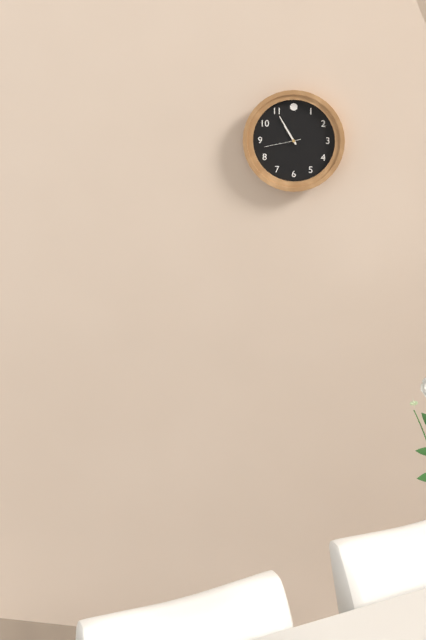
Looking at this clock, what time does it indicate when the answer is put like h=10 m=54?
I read h=10 m=55
